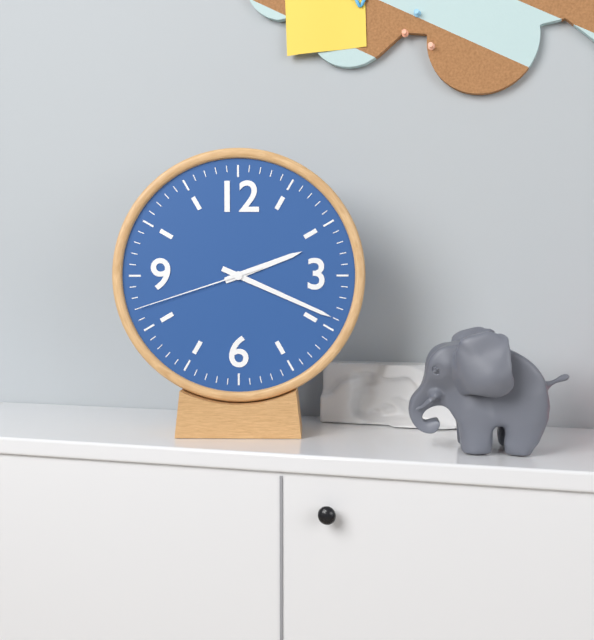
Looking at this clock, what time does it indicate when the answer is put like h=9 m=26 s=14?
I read h=2 m=19 s=42
